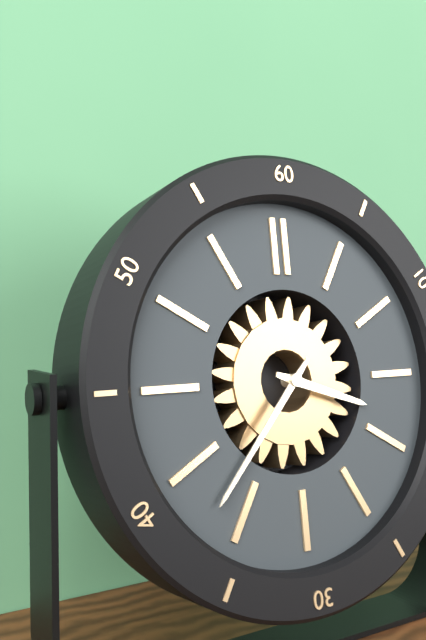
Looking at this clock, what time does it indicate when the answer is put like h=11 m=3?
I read h=3 m=37
